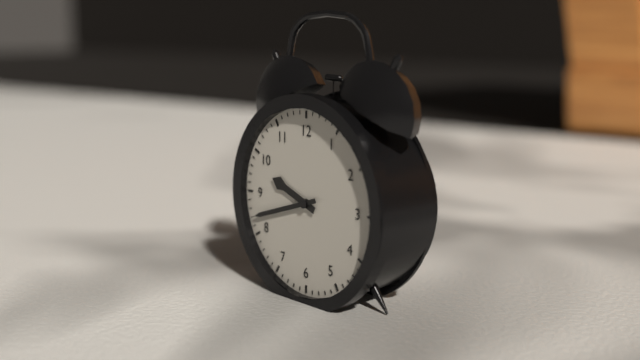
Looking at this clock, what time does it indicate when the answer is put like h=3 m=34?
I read h=9 m=42
